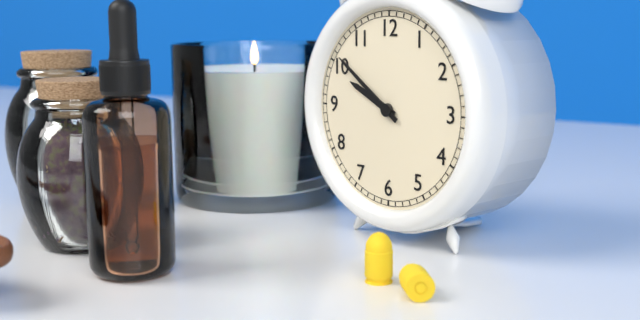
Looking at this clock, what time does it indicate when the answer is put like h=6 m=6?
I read h=9 m=51
